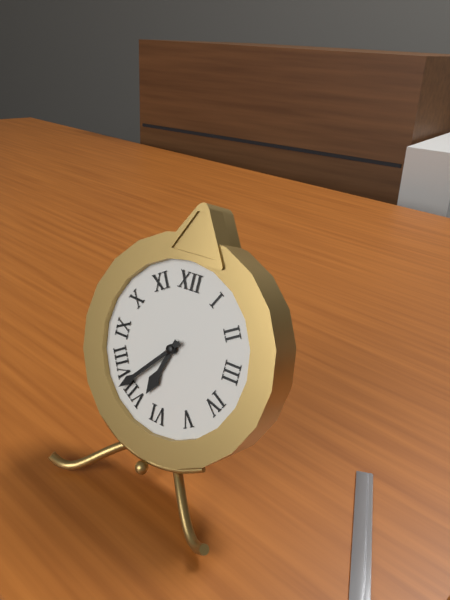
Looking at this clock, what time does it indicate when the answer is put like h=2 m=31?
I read h=6 m=37
